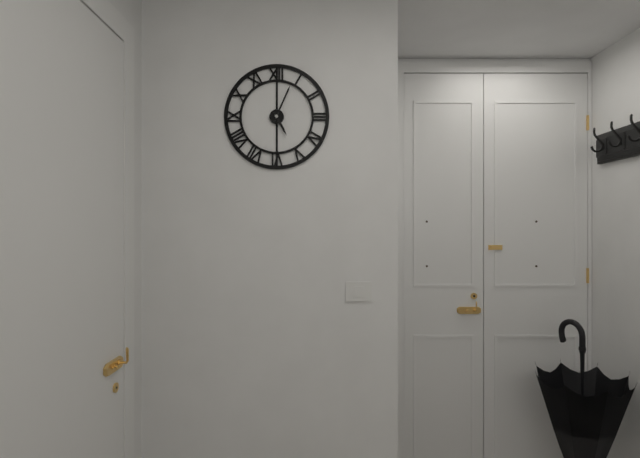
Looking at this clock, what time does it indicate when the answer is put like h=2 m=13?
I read h=5 m=4
